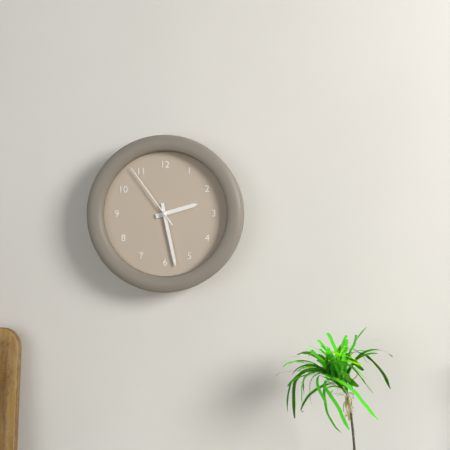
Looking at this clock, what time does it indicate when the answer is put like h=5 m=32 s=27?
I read h=2 m=28 s=54
